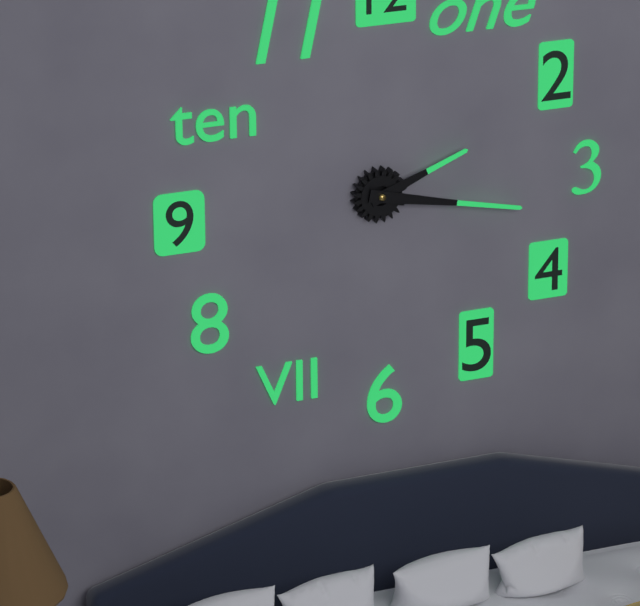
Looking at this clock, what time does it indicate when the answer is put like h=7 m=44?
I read h=2 m=17
